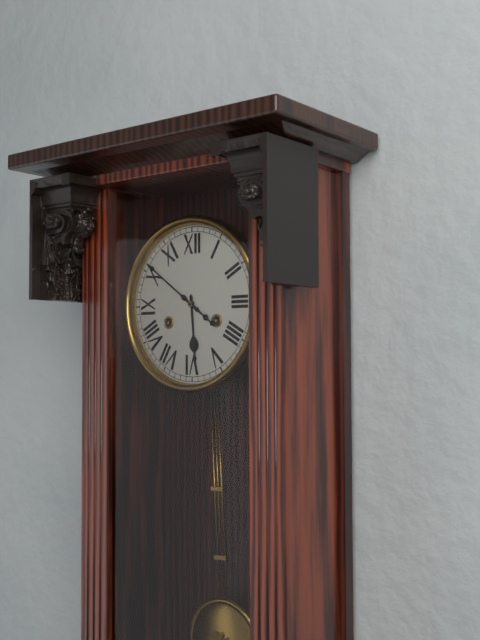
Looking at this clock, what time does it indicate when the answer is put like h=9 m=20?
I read h=5 m=51
